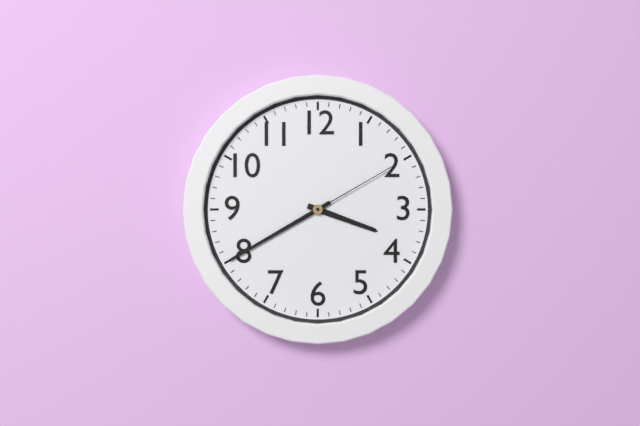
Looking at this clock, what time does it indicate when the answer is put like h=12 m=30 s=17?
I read h=3 m=40 s=10
